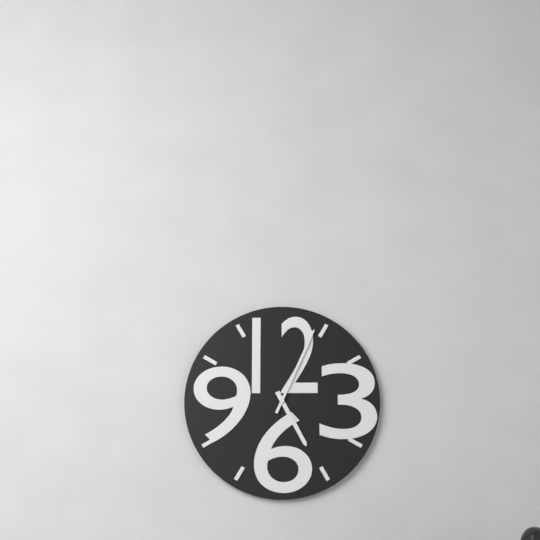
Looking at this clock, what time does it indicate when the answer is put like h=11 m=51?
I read h=5 m=4
